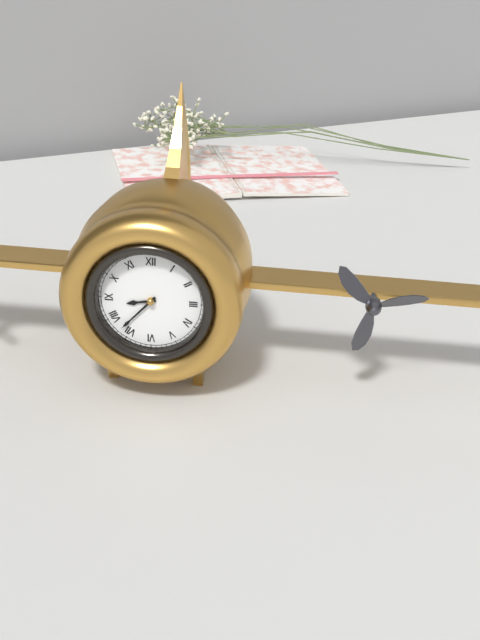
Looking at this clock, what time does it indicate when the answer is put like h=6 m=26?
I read h=8 m=37
